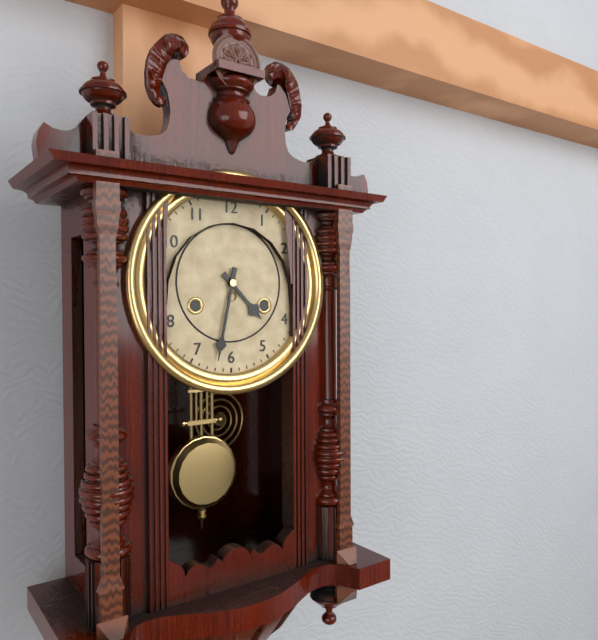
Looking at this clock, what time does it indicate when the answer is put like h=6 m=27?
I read h=4 m=32
